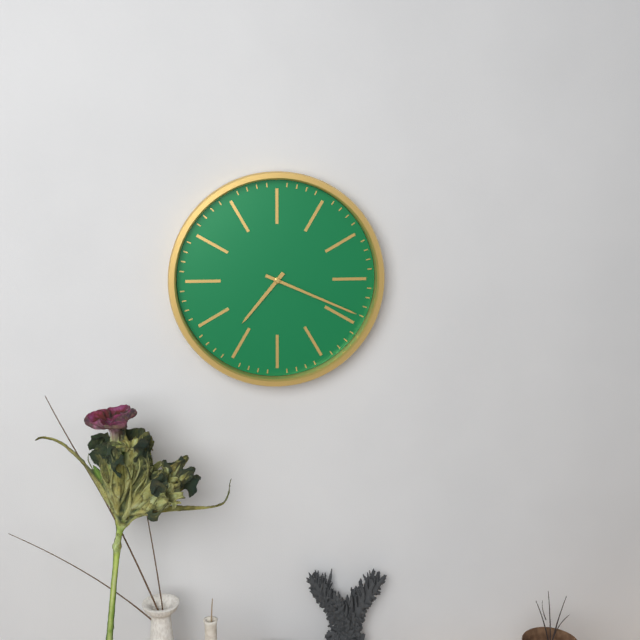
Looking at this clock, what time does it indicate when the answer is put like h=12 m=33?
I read h=7 m=19
